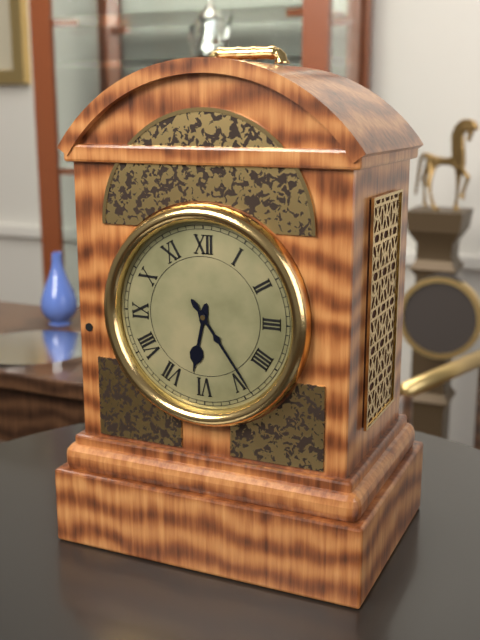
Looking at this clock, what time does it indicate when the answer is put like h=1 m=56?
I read h=6 m=24
